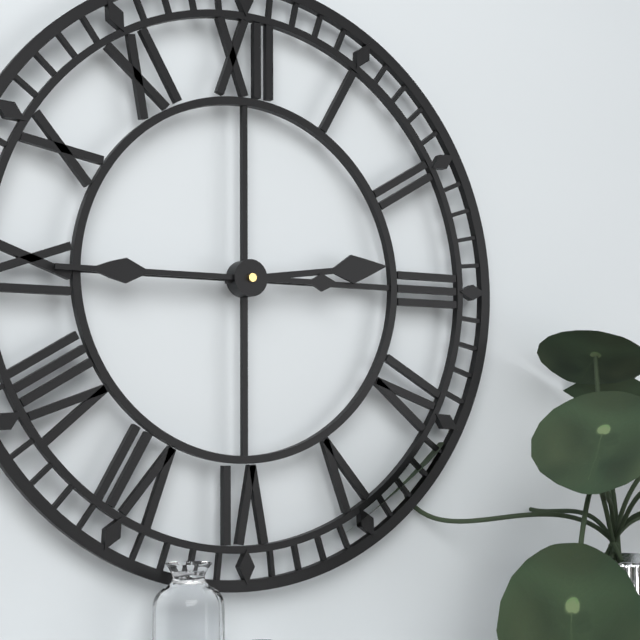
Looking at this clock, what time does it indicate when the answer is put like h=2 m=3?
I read h=2 m=45
